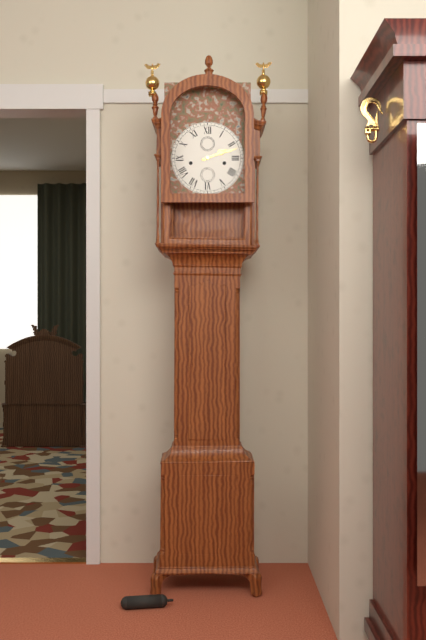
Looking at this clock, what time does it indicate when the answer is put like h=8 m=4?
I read h=2 m=12
